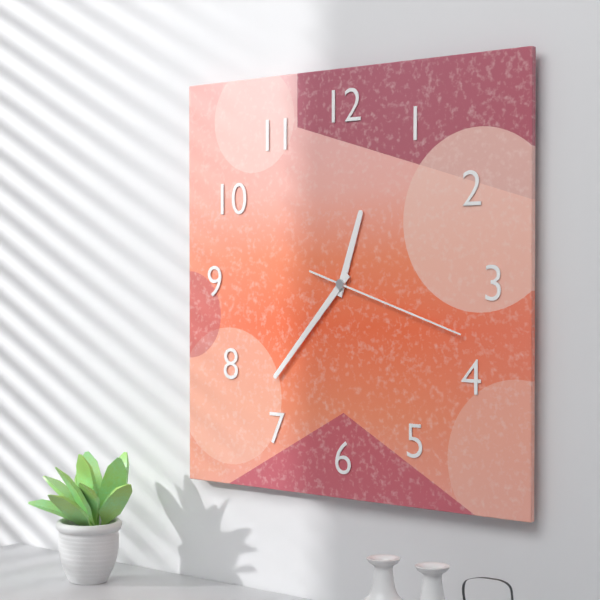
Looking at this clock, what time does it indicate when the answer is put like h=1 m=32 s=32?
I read h=12 m=37 s=18
